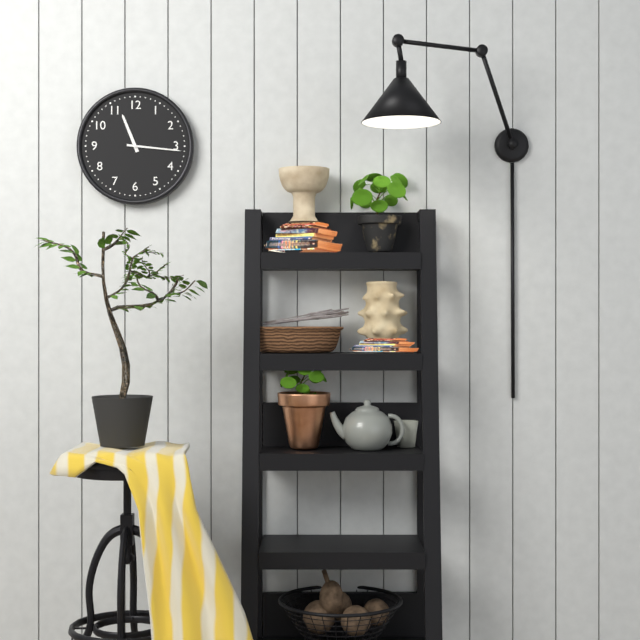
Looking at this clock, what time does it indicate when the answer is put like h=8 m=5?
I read h=11 m=16
